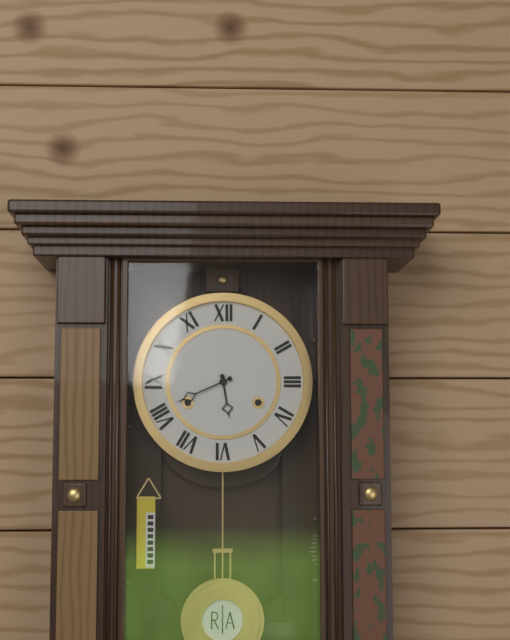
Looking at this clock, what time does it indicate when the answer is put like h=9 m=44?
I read h=5 m=41
